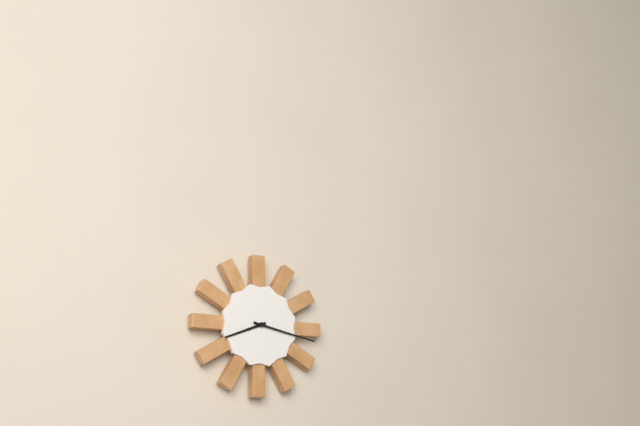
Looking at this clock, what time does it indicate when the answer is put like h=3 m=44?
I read h=8 m=17
